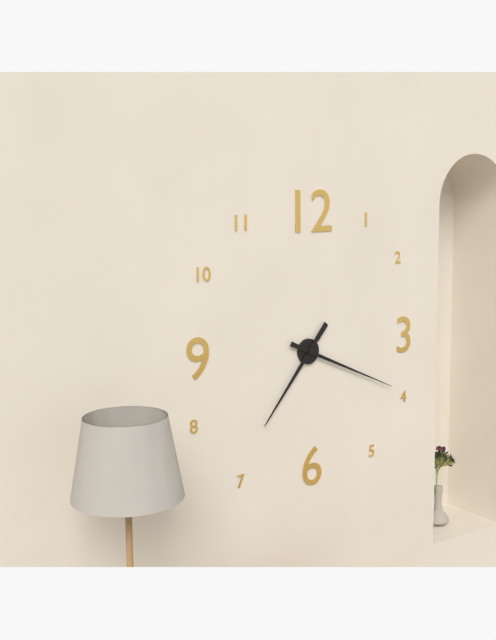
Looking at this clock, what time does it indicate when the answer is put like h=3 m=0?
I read h=7 m=19
